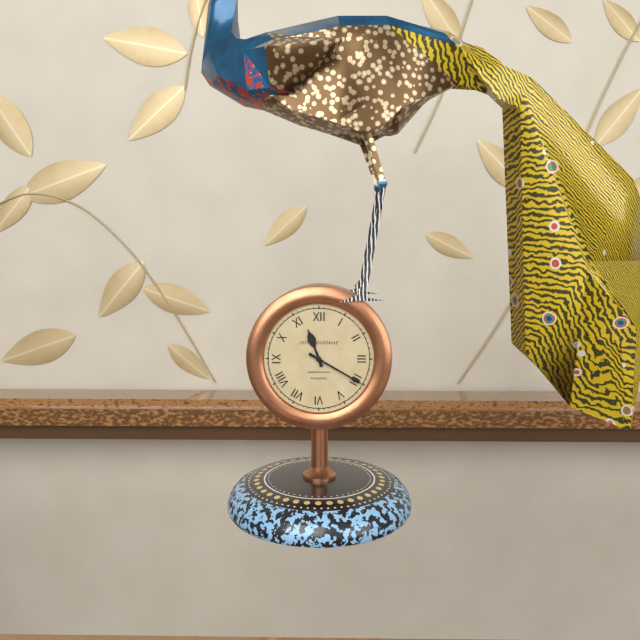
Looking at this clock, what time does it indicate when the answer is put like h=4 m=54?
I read h=11 m=20
